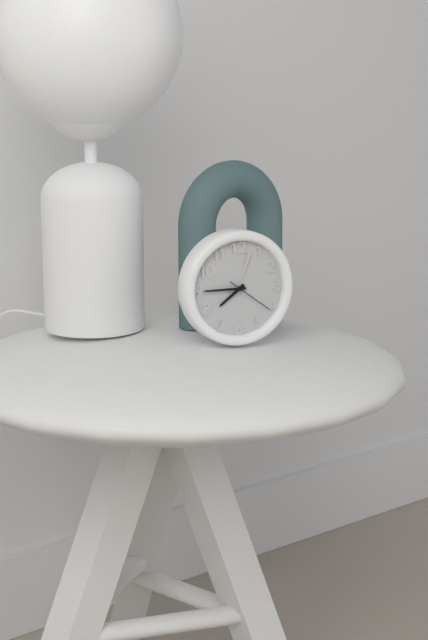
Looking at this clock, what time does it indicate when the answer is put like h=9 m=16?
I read h=7 m=45
